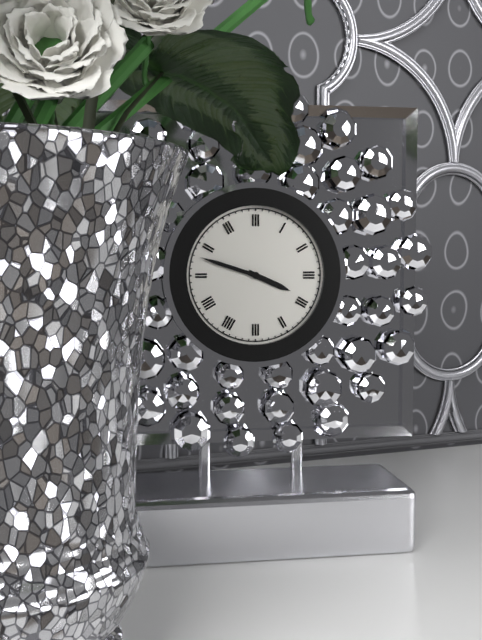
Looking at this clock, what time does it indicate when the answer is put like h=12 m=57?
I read h=3 m=48
